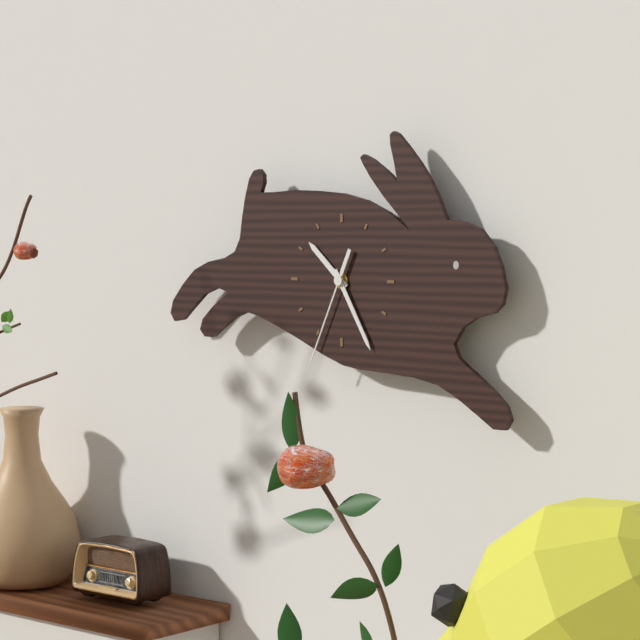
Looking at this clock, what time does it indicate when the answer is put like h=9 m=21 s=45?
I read h=10 m=25 s=34
